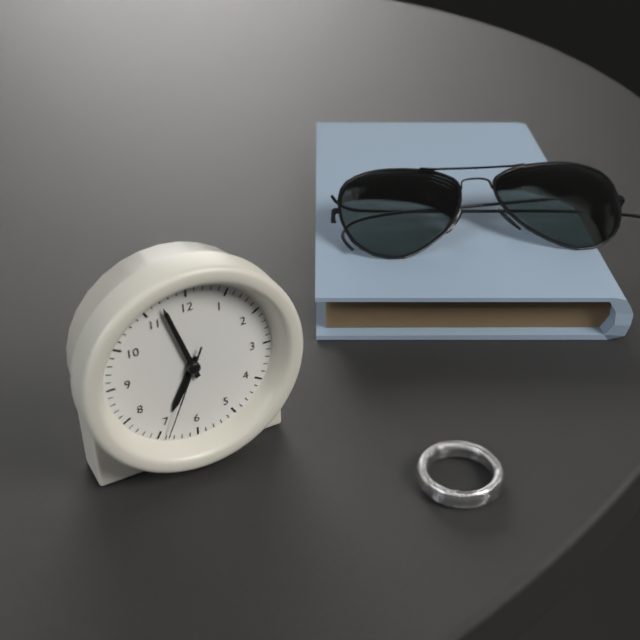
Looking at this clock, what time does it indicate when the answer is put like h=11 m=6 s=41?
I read h=6 m=57 s=34
